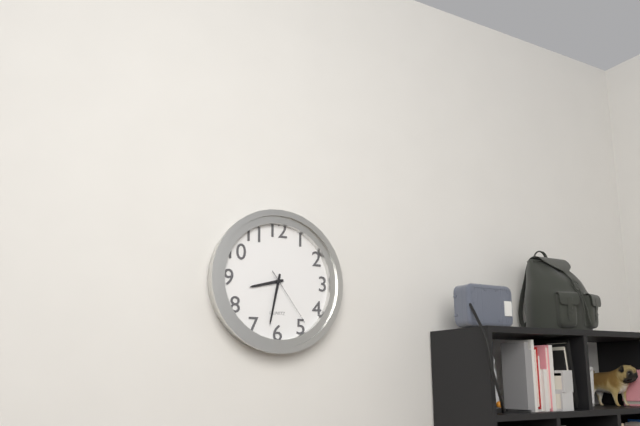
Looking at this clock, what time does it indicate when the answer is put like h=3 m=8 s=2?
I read h=8 m=32 s=24
